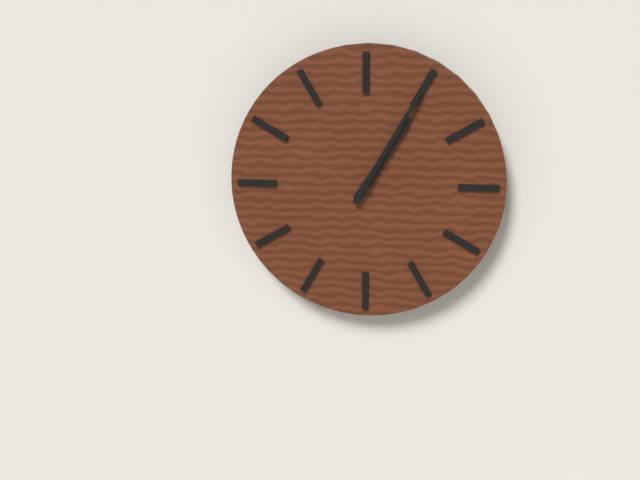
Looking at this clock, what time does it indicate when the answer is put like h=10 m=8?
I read h=1 m=5
